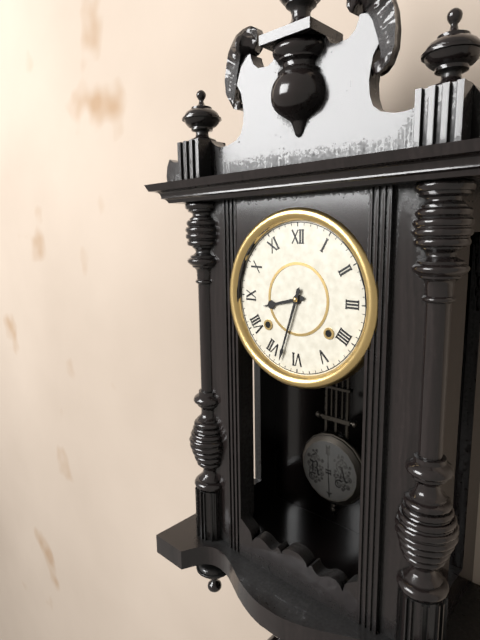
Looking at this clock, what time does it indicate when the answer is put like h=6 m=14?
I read h=8 m=33
